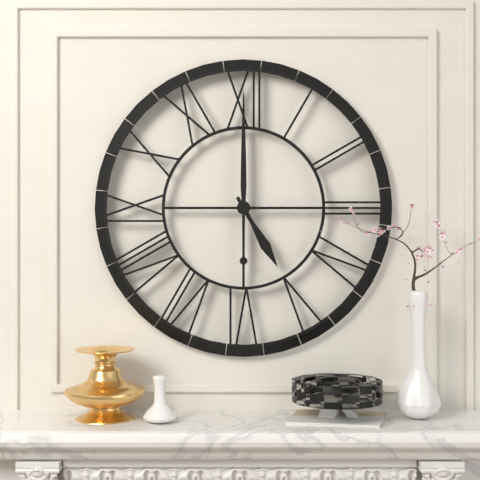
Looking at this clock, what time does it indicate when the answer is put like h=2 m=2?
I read h=5 m=0
